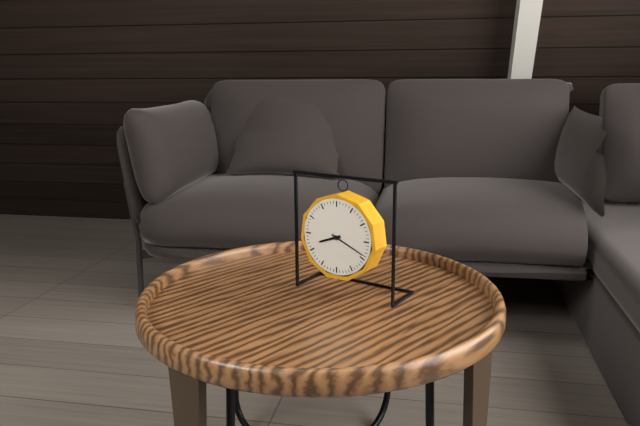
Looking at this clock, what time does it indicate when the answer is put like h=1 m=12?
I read h=8 m=19
